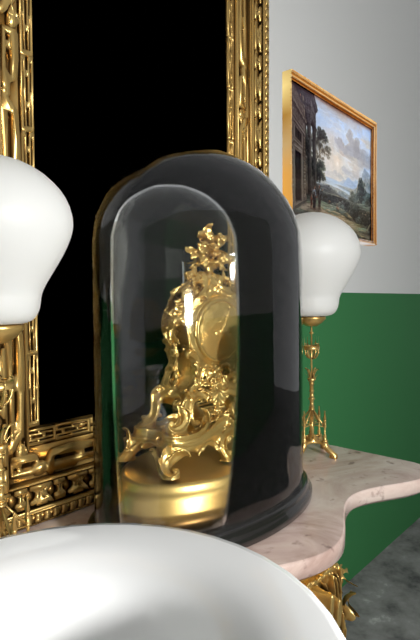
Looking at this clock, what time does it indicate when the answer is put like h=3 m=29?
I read h=9 m=33
